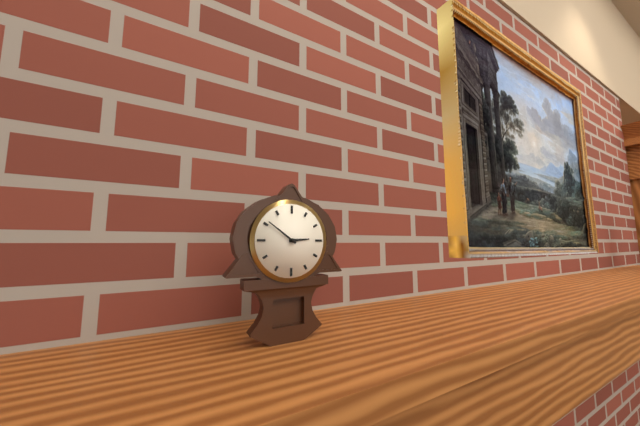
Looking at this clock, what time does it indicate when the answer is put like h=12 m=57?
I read h=2 m=51
